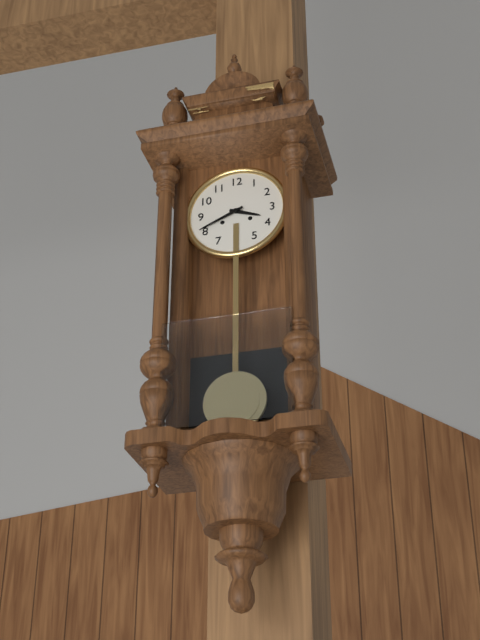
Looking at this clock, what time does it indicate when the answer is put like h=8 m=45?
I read h=3 m=41
